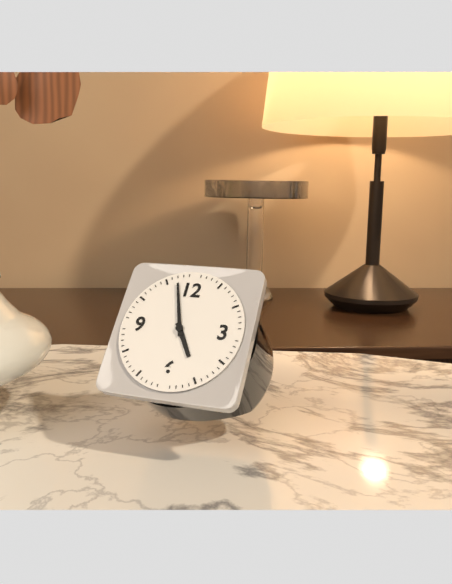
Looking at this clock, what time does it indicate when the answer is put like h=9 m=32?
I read h=4 m=57
